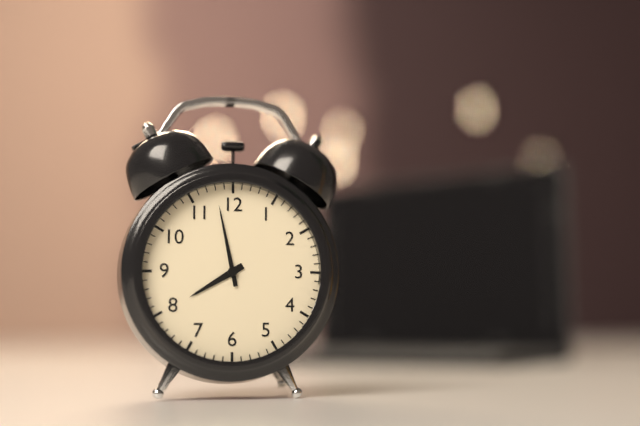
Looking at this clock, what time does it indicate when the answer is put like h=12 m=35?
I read h=7 m=58
